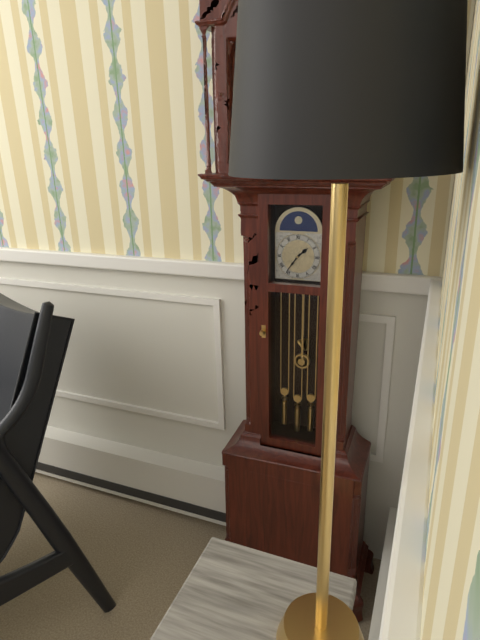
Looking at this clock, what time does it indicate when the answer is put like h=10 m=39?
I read h=1 m=36
